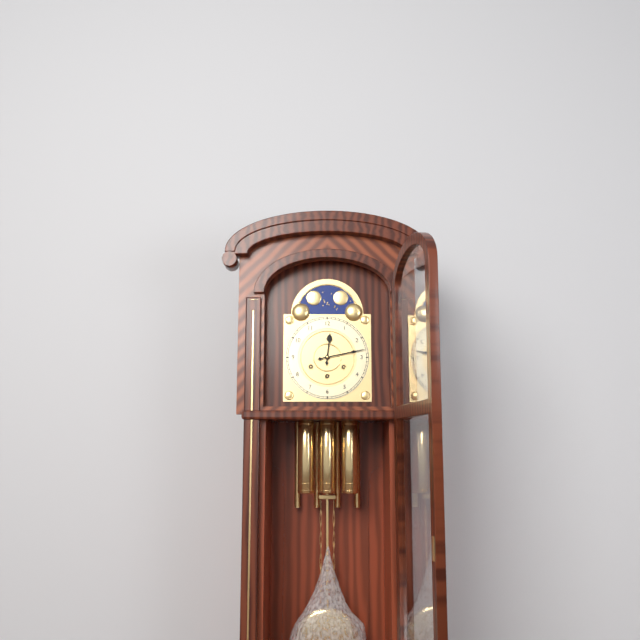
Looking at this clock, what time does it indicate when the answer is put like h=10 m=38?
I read h=12 m=13
